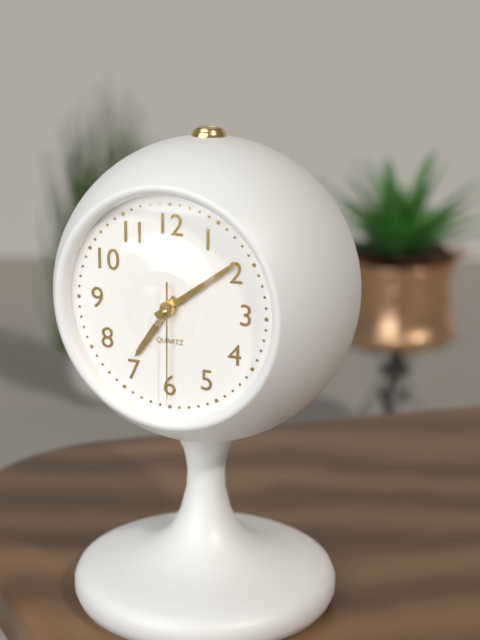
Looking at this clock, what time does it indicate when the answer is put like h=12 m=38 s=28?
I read h=7 m=9 s=30
